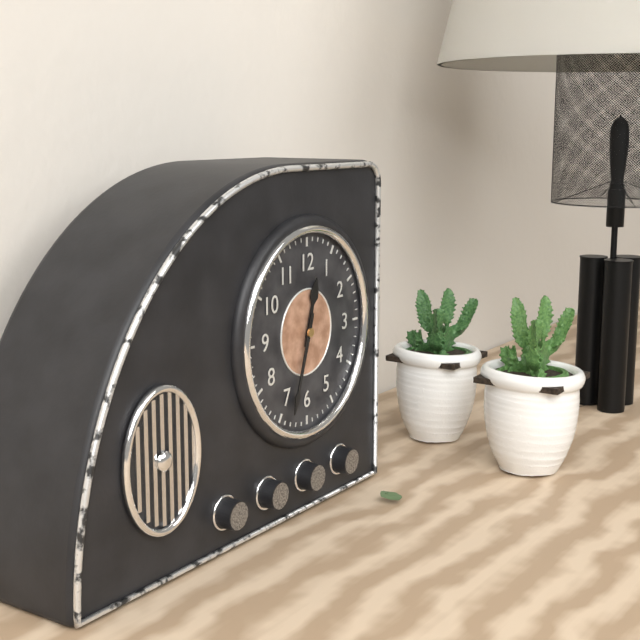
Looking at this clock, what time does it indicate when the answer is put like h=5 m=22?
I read h=12 m=33
